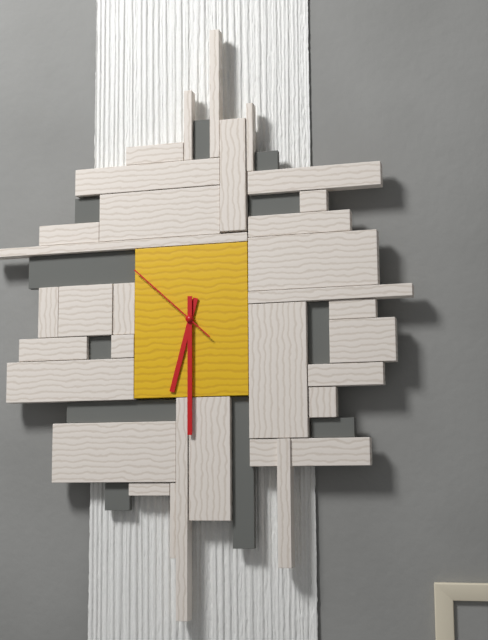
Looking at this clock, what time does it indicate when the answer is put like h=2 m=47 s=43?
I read h=6 m=30 s=52
